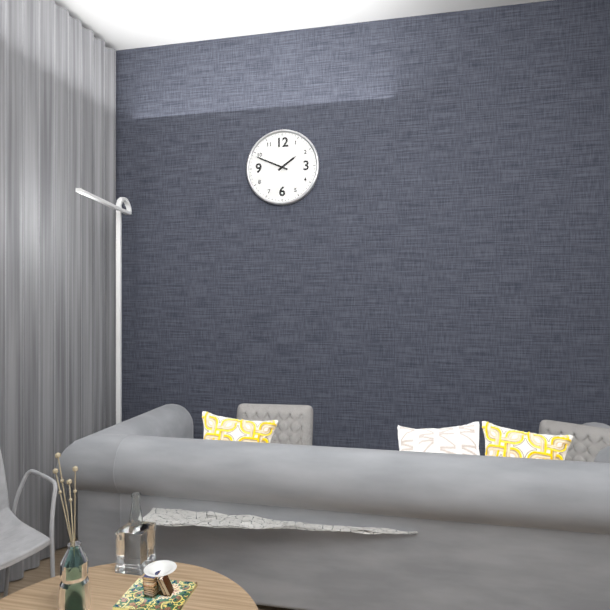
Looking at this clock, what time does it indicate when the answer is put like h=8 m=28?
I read h=1 m=49
